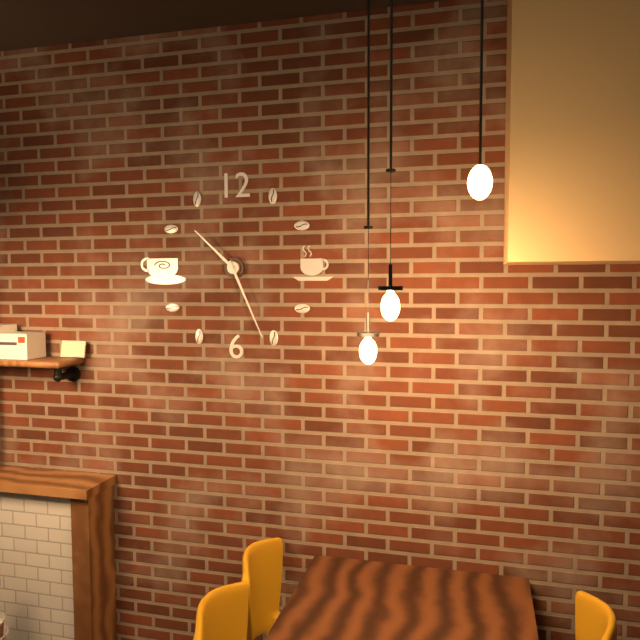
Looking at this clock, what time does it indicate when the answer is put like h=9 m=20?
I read h=10 m=26
